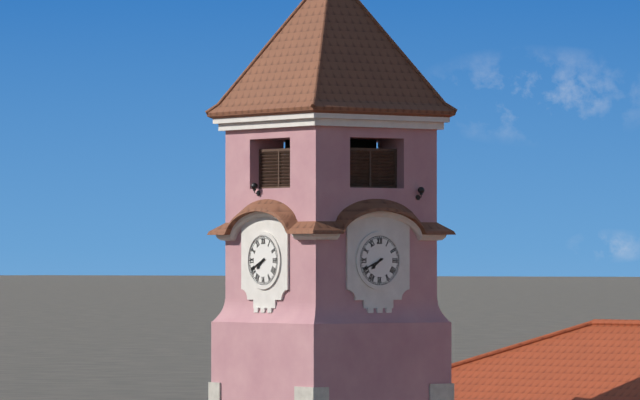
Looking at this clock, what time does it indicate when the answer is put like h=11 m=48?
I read h=7 m=41
